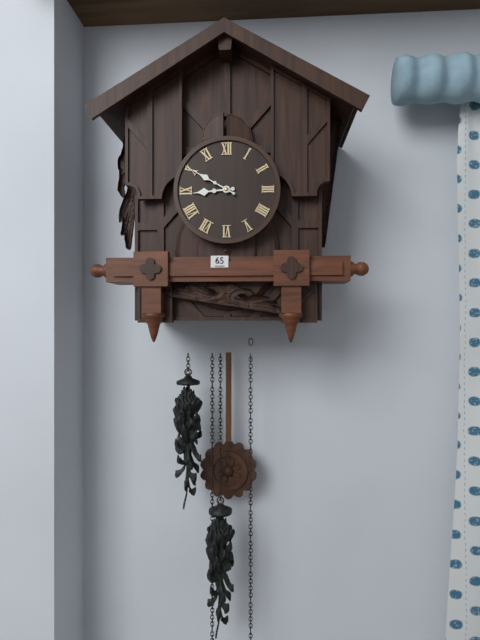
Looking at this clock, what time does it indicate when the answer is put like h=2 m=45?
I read h=8 m=50
